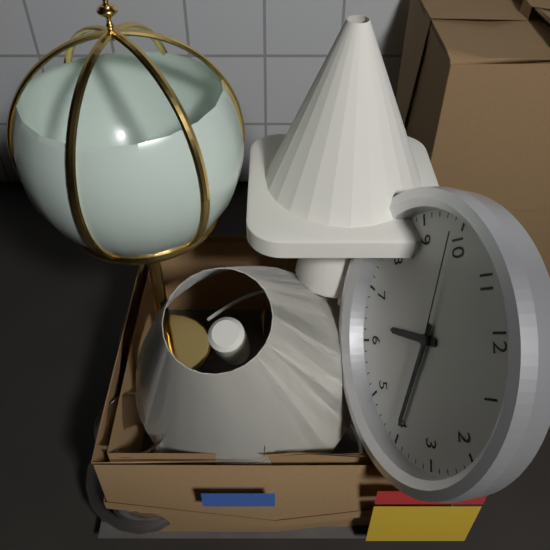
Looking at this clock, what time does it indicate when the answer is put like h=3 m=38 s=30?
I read h=6 m=20 s=49
